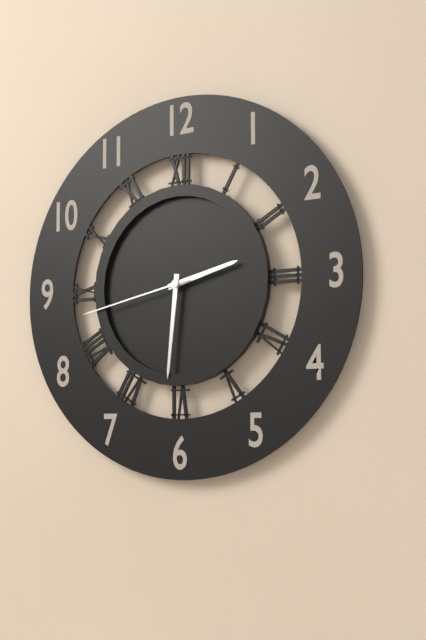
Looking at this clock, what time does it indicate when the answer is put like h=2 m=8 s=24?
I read h=2 m=31 s=43
